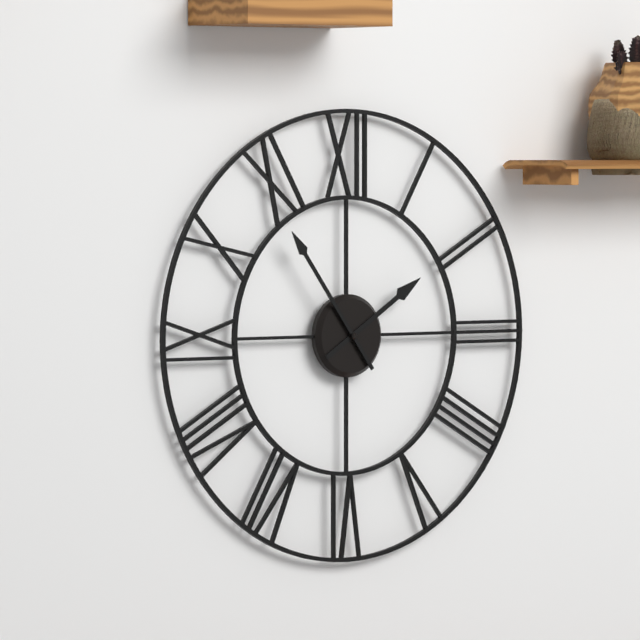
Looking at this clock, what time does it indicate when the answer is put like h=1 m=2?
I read h=1 m=54
